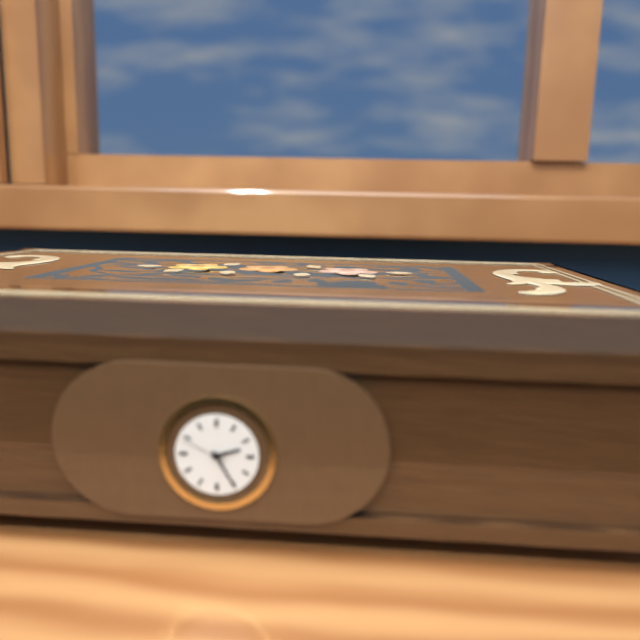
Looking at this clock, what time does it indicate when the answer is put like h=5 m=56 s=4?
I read h=2 m=25 s=49
